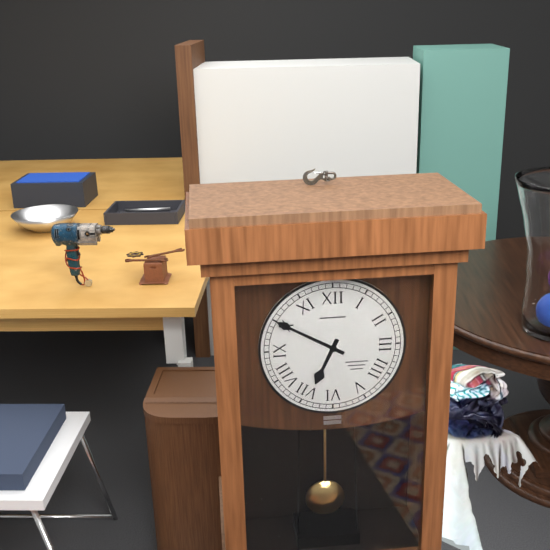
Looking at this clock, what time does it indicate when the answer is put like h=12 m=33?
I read h=6 m=50
